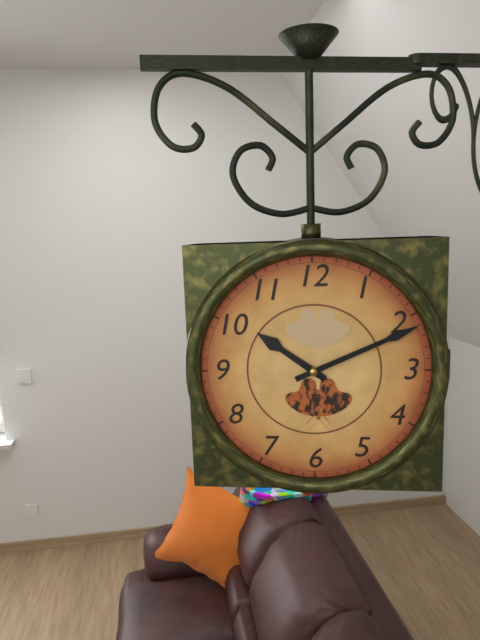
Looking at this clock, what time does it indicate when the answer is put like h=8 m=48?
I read h=10 m=11
